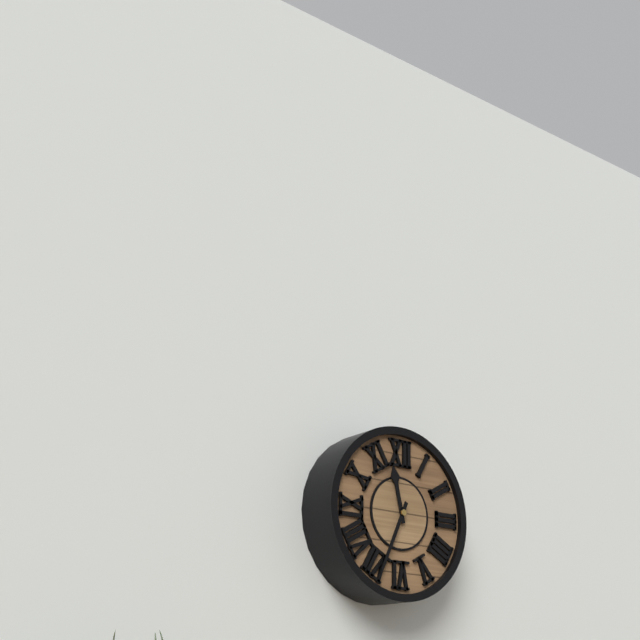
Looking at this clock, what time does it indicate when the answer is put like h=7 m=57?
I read h=11 m=34
